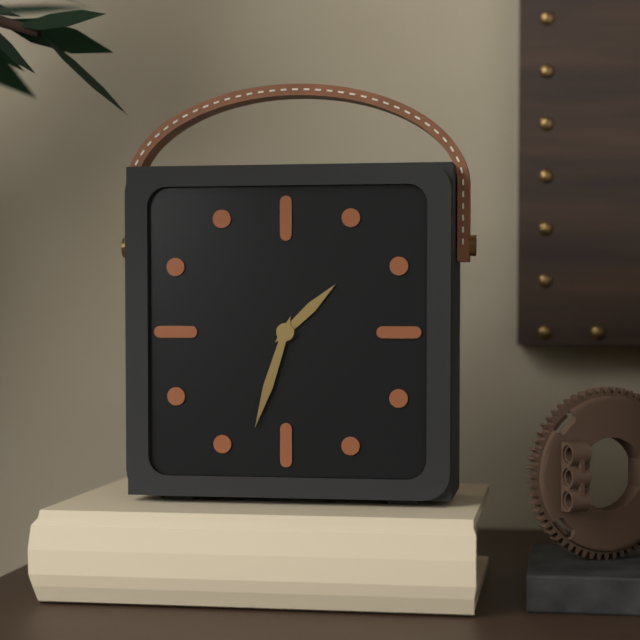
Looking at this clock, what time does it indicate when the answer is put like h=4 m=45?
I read h=1 m=33
